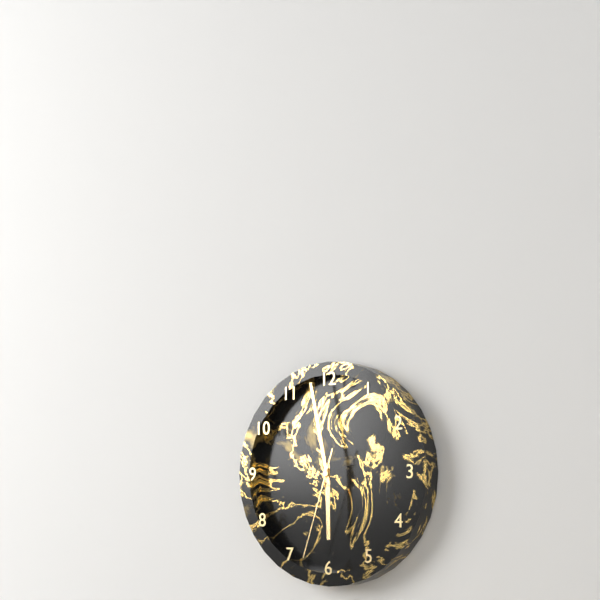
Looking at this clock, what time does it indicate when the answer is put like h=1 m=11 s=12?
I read h=5 m=58 s=33
